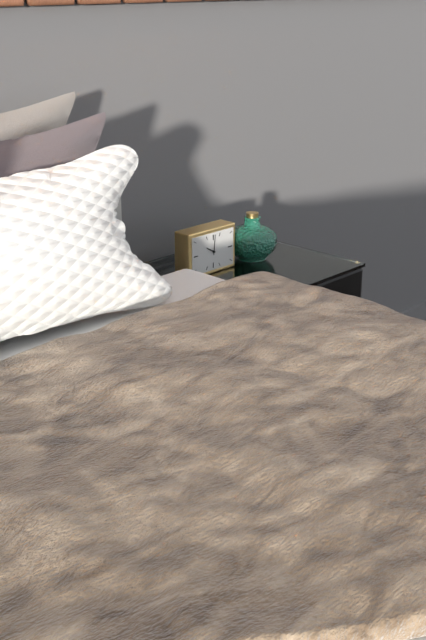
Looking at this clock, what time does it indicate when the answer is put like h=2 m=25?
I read h=10 m=1
